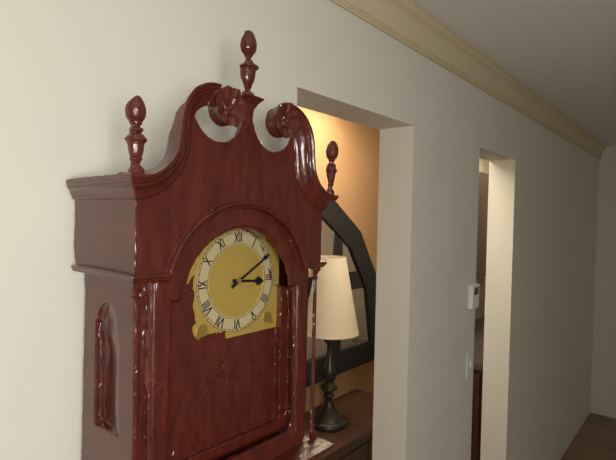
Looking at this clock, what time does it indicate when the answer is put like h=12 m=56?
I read h=3 m=10
